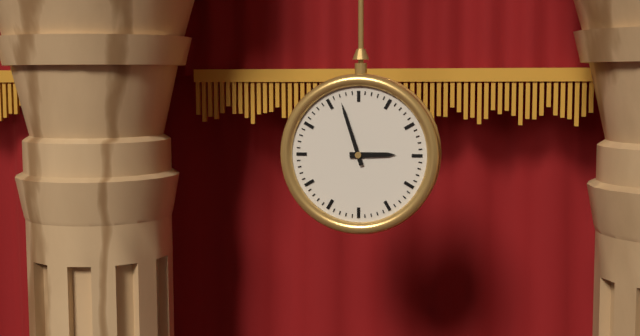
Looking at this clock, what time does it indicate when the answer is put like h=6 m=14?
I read h=2 m=57
